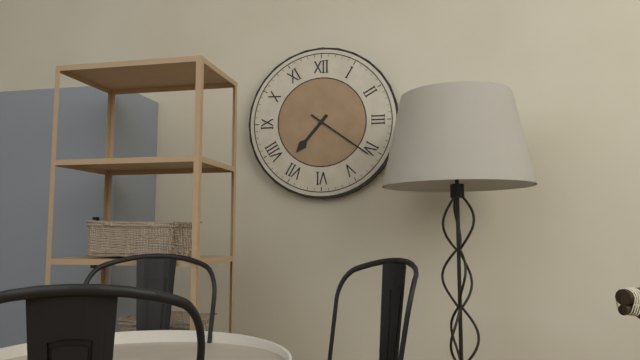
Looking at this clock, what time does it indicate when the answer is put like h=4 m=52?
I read h=7 m=21
